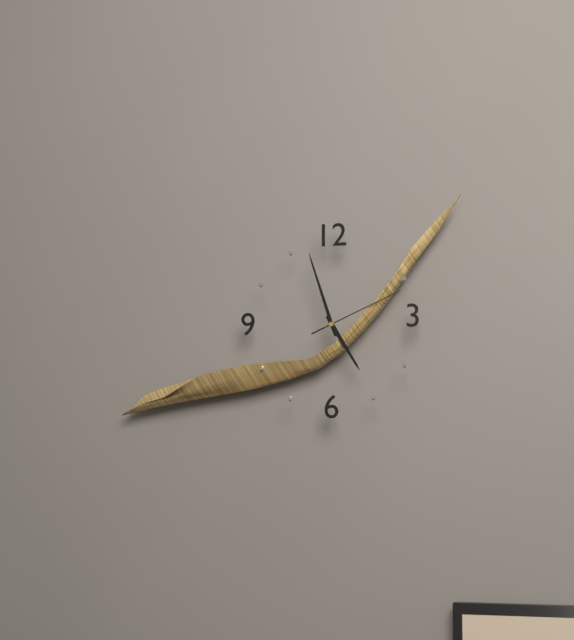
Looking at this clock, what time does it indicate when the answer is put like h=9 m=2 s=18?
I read h=4 m=57 s=11
